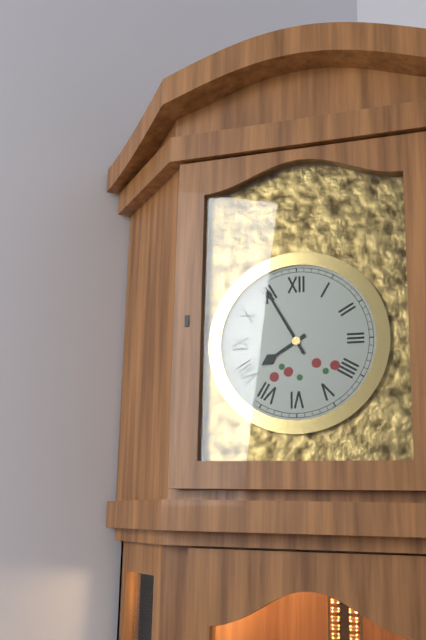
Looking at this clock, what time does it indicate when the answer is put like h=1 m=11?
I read h=7 m=55
